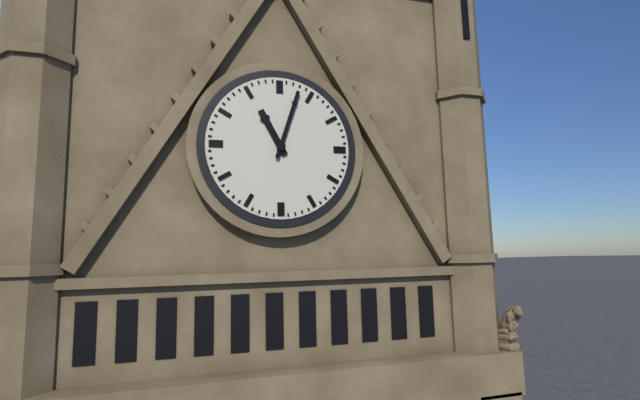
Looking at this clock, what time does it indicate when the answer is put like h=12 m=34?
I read h=11 m=3
